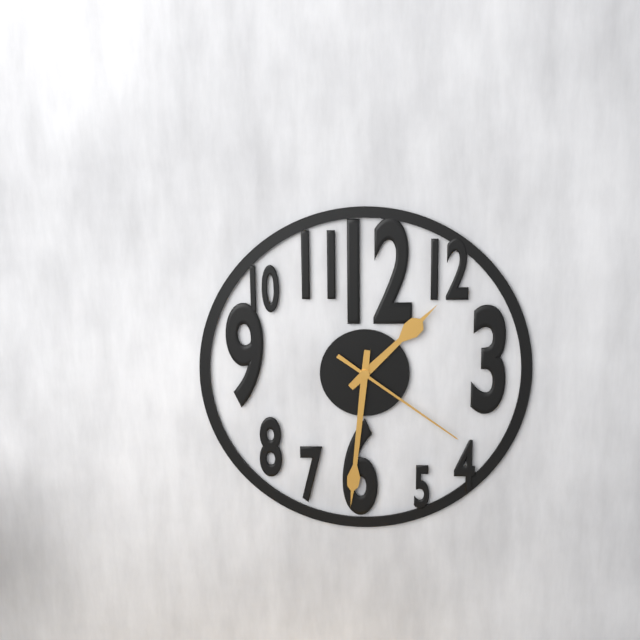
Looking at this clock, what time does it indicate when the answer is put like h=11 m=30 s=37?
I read h=1 m=31 s=21
